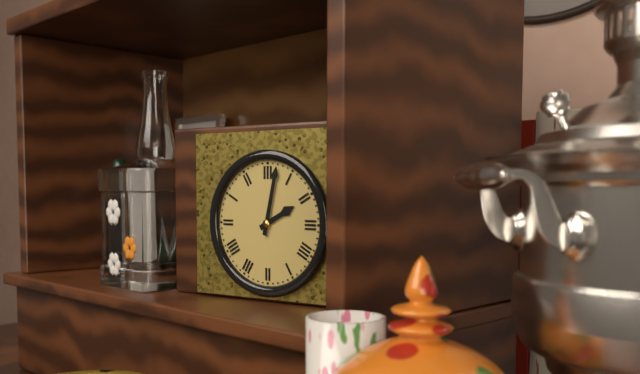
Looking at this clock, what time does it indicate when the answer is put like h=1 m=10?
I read h=2 m=2
